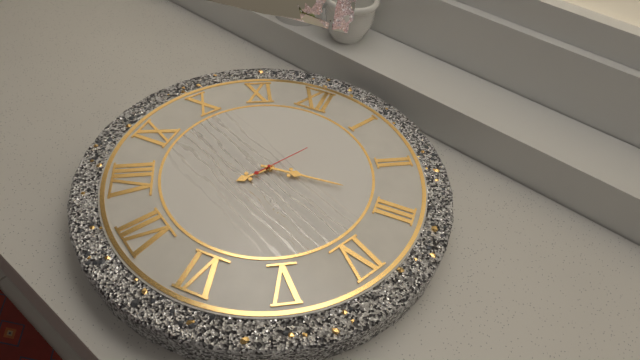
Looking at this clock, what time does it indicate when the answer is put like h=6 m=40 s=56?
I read h=7 m=14 s=5
